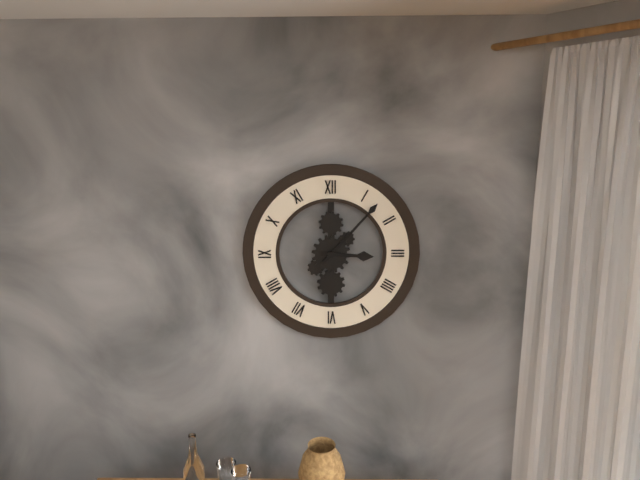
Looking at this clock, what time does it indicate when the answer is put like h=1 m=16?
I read h=3 m=7
